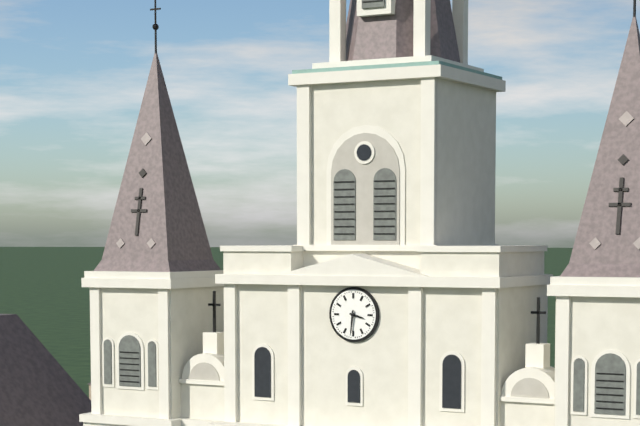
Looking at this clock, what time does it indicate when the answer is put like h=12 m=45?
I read h=3 m=31
